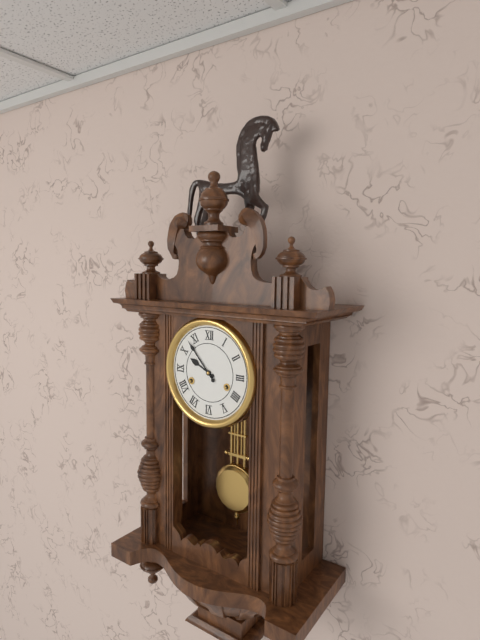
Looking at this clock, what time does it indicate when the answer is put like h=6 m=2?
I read h=9 m=53
